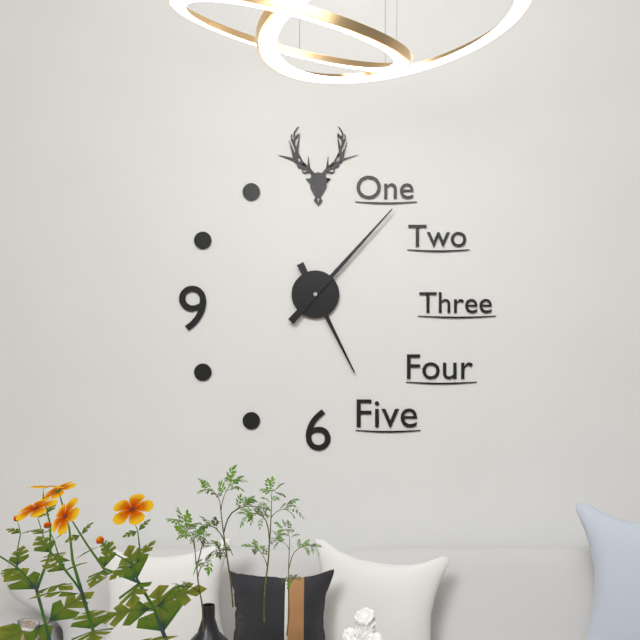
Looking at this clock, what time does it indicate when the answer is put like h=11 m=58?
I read h=5 m=7
